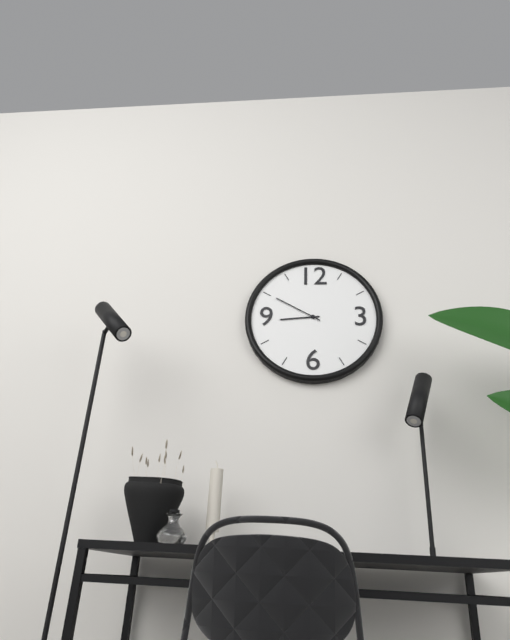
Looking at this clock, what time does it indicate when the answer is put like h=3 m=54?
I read h=8 m=50
